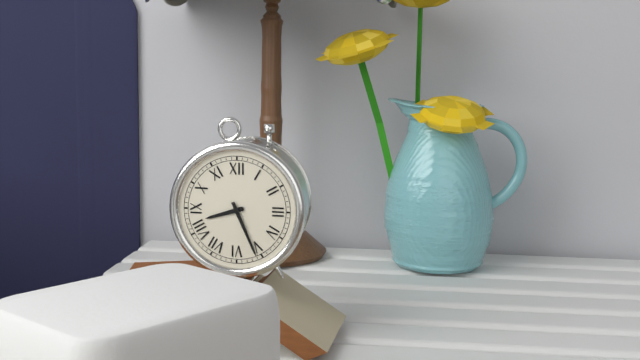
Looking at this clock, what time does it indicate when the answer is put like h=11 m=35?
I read h=8 m=26
